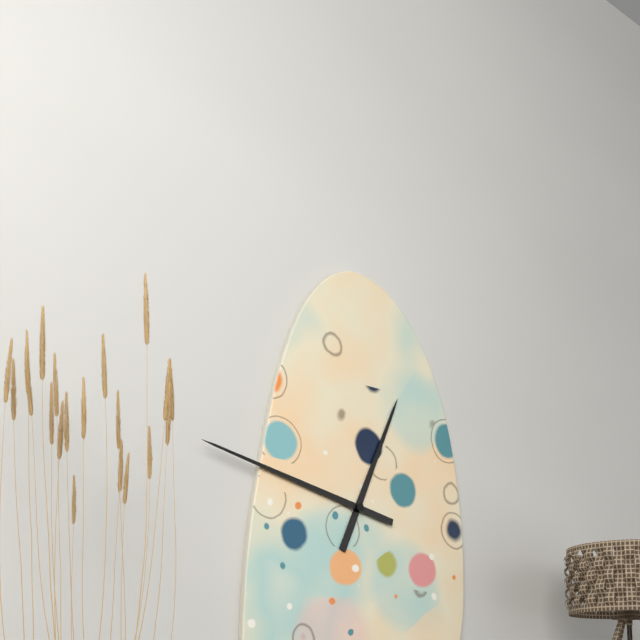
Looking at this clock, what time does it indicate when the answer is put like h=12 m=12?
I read h=12 m=47
